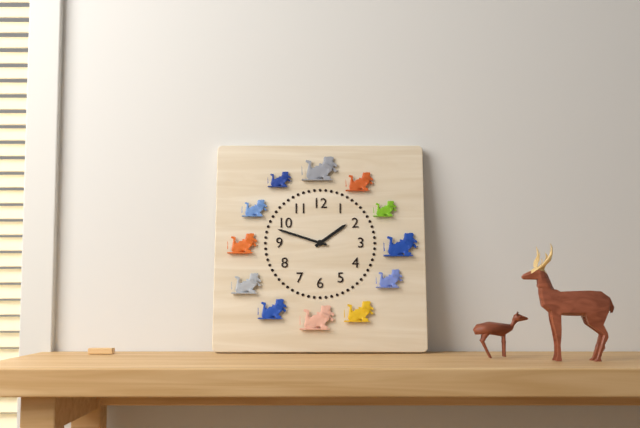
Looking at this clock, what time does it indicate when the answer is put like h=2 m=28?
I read h=1 m=48
